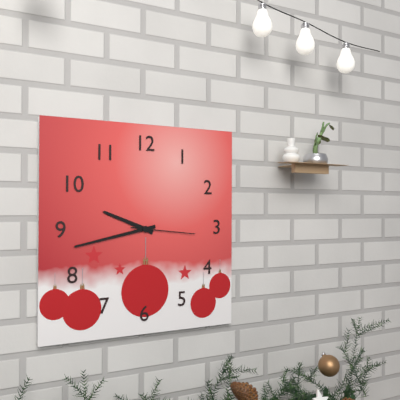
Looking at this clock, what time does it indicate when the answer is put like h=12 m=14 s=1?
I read h=9 m=43 s=16
